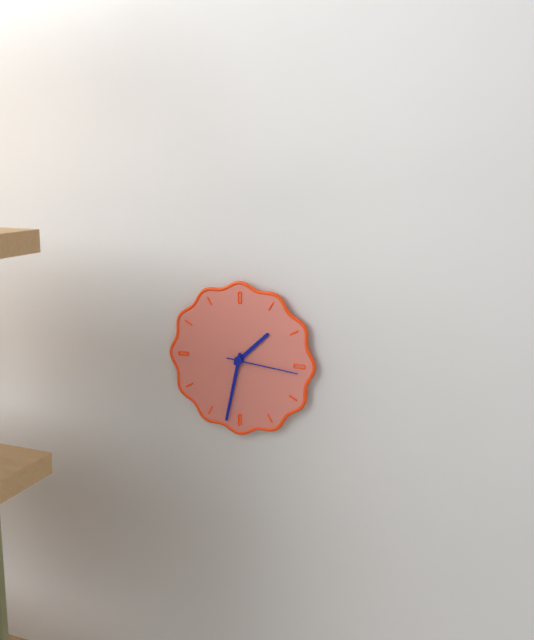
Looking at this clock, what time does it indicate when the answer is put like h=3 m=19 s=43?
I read h=1 m=32 s=16
